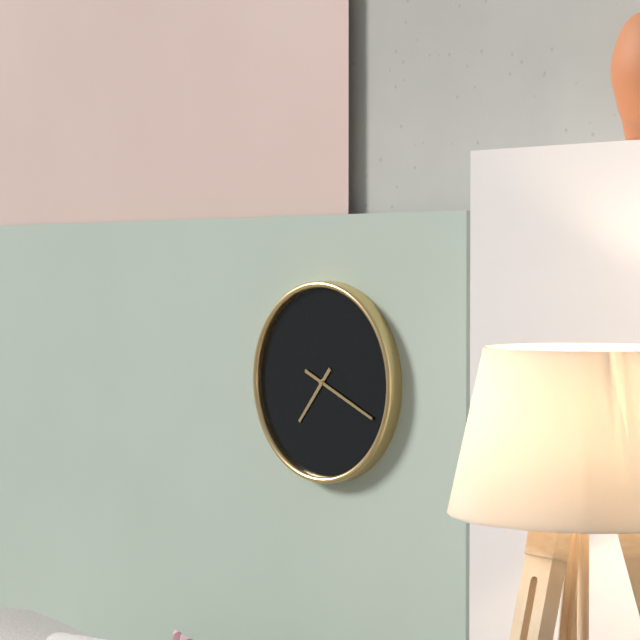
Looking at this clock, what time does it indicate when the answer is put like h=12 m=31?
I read h=7 m=19
